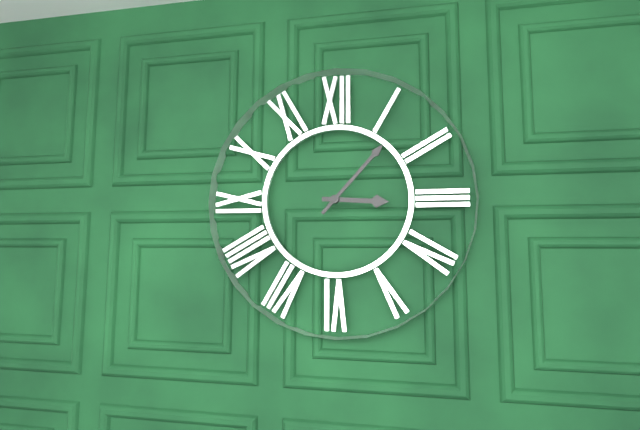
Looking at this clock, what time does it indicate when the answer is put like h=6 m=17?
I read h=3 m=7
